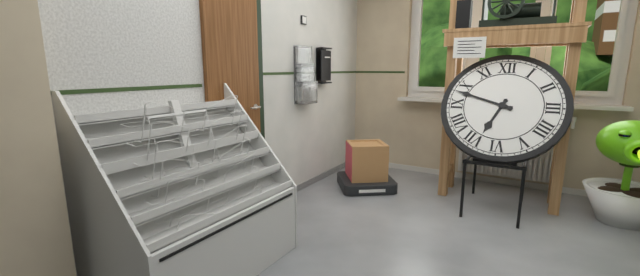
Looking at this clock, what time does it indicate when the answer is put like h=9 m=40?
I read h=6 m=48
